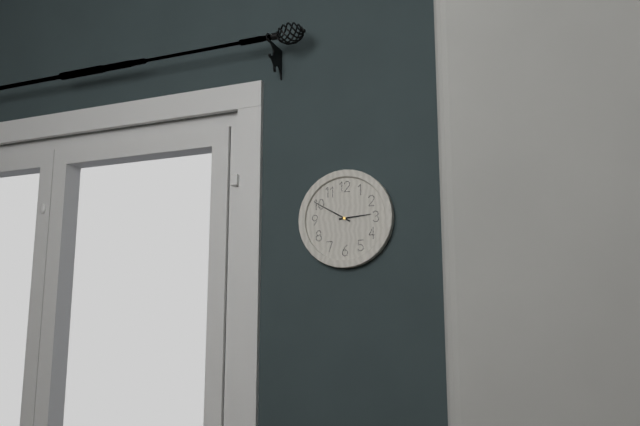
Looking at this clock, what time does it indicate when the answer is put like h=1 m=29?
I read h=2 m=50
